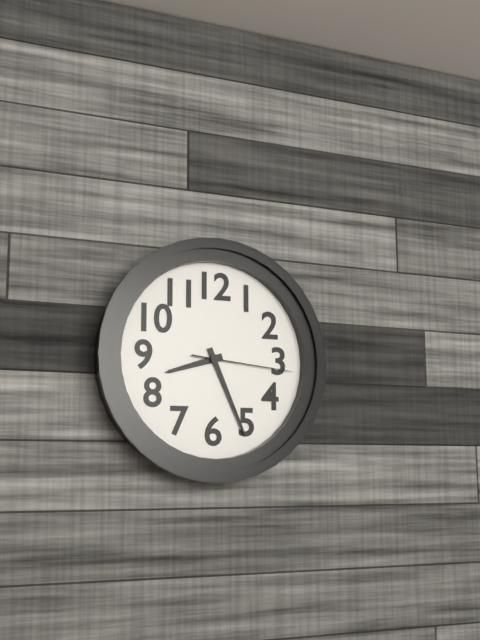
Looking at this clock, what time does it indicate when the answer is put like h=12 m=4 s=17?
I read h=8 m=26 s=16
